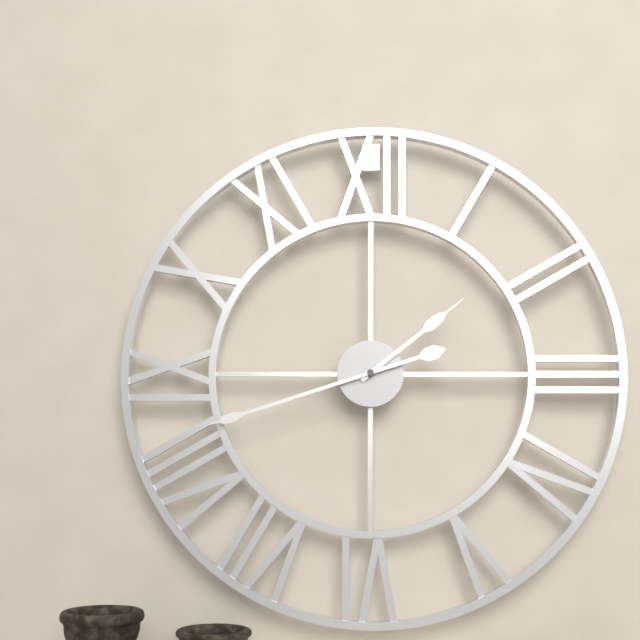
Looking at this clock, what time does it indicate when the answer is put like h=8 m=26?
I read h=1 m=42
